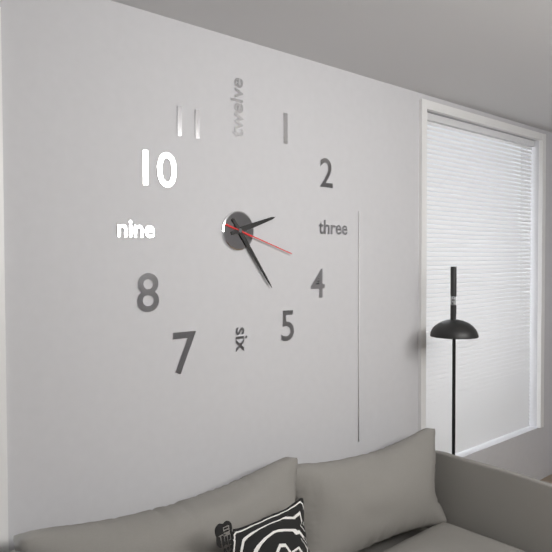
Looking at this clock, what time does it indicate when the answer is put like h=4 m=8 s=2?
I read h=2 m=24 s=18
